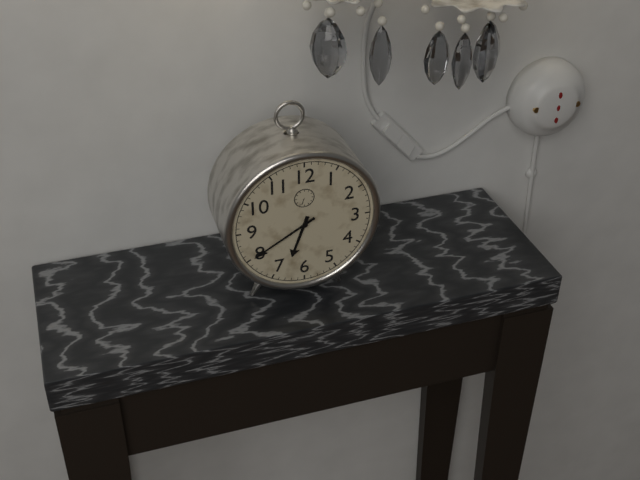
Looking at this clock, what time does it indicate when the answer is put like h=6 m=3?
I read h=6 m=40
